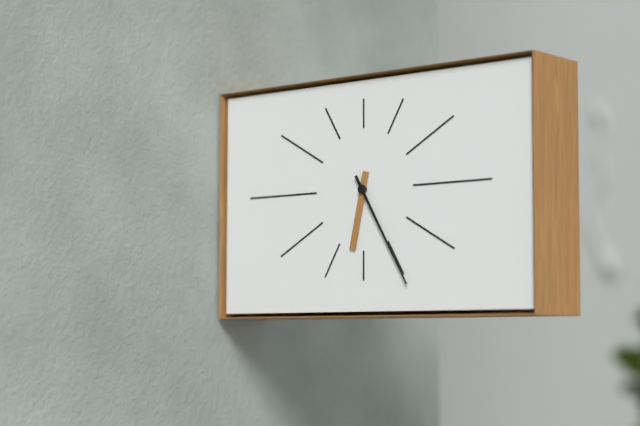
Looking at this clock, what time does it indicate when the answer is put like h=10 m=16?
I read h=6 m=25
